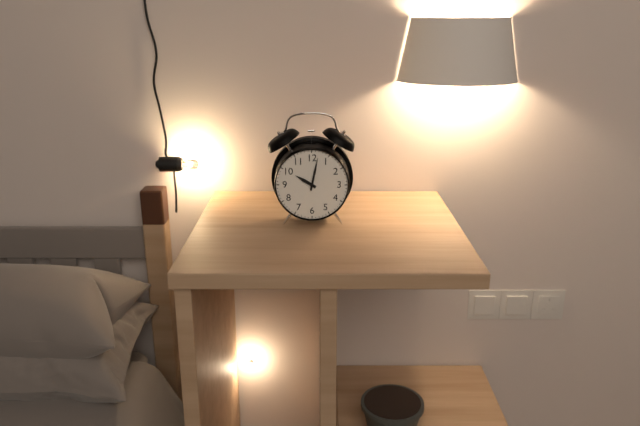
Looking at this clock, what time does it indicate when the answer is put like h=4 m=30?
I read h=10 m=2
